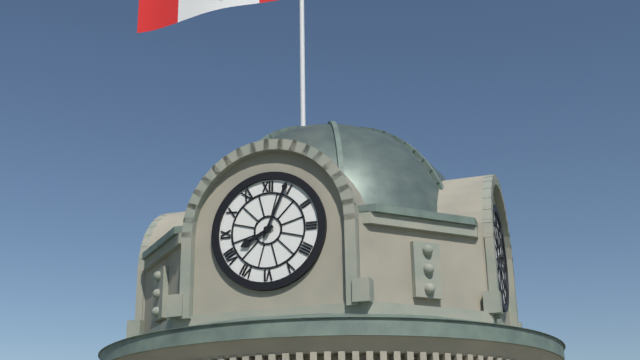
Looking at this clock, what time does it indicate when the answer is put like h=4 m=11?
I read h=8 m=4
